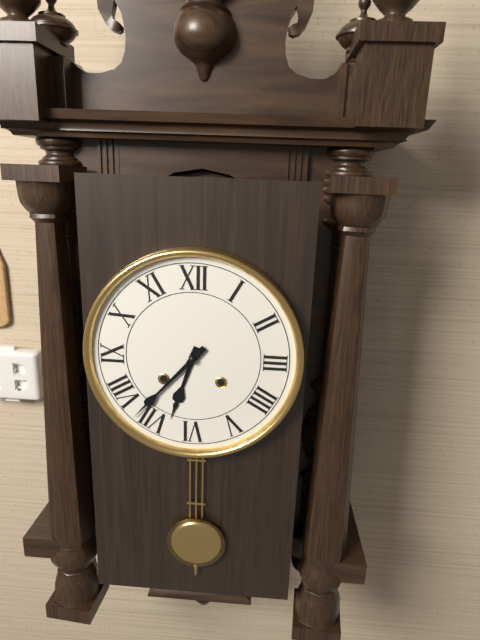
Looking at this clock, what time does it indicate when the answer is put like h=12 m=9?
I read h=6 m=37
